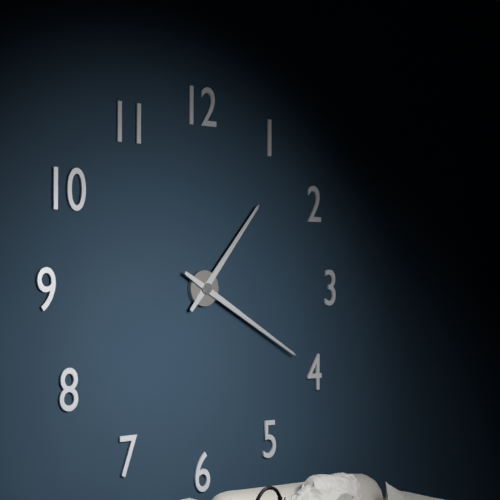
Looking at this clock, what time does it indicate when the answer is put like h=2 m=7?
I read h=1 m=20
